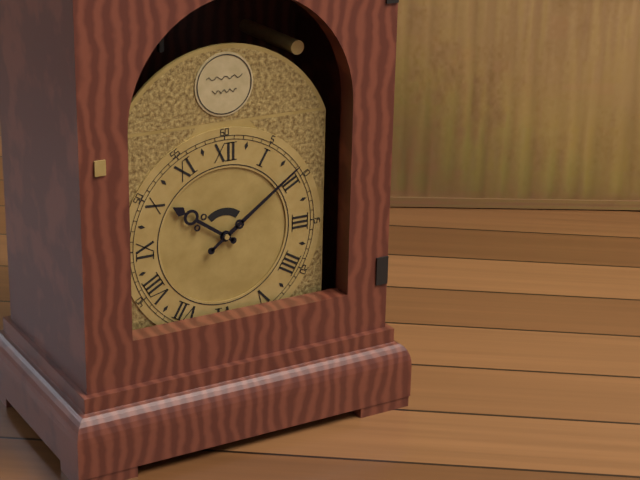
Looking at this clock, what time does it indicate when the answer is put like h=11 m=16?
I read h=10 m=9
